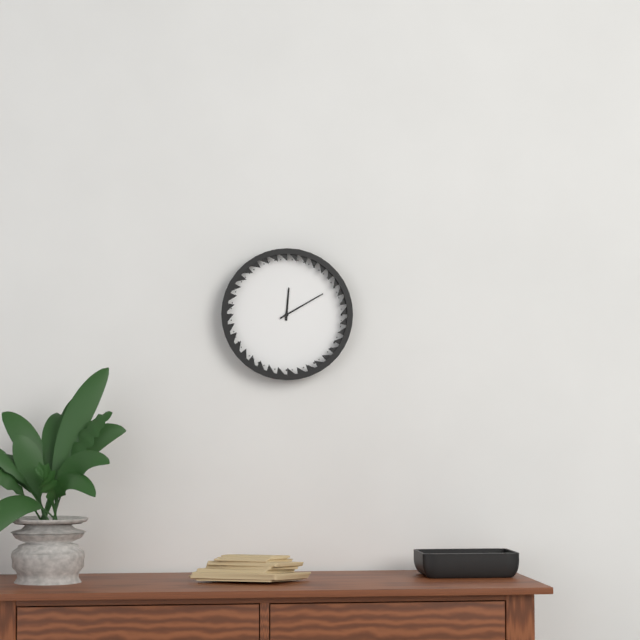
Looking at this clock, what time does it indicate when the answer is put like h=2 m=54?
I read h=12 m=10
